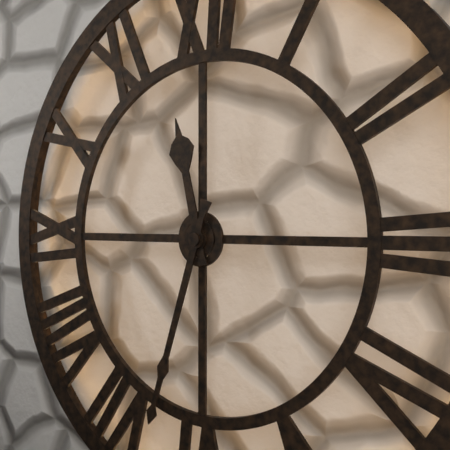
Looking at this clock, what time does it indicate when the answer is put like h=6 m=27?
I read h=11 m=33
